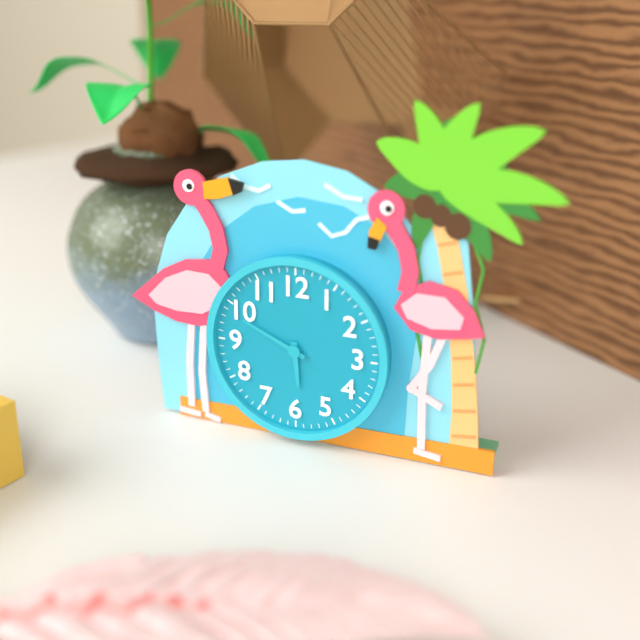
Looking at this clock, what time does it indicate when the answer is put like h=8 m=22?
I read h=5 m=49
